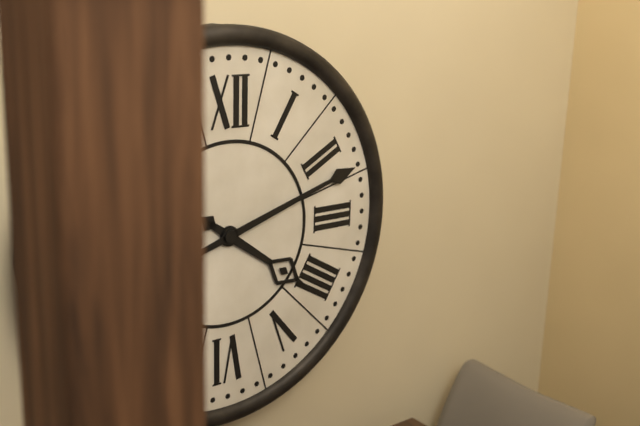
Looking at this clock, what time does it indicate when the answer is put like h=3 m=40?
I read h=4 m=12
